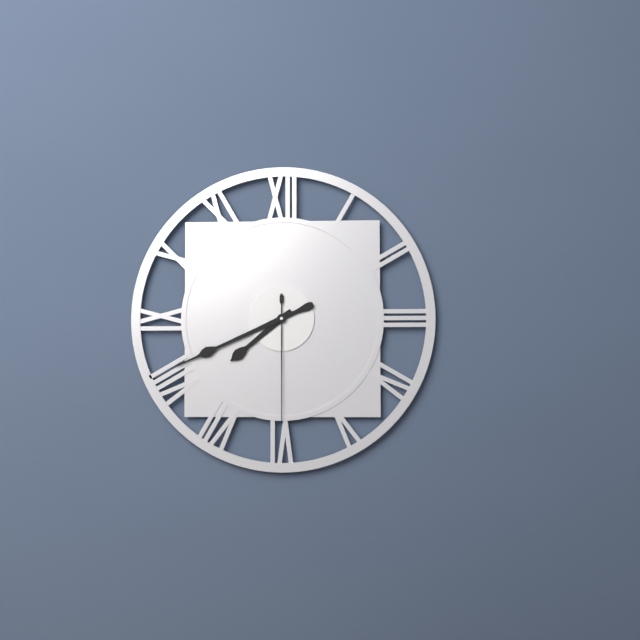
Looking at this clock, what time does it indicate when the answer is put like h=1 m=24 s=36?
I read h=7 m=41 s=30
